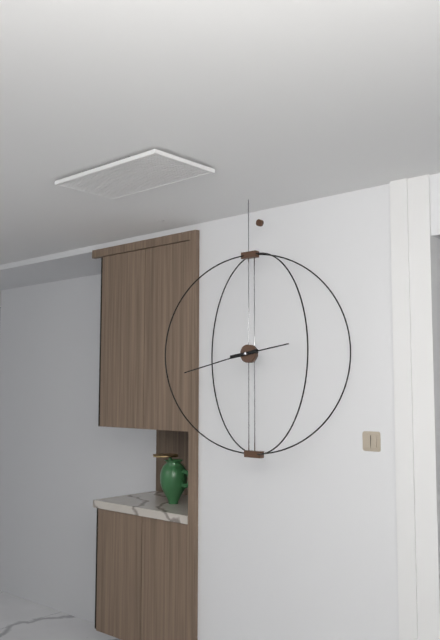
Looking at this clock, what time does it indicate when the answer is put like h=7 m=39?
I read h=2 m=43
